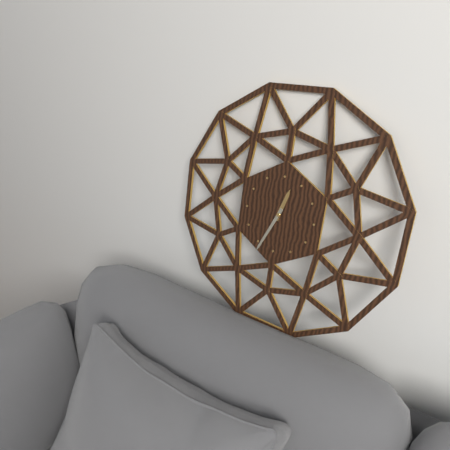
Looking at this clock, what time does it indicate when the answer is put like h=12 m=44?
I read h=12 m=34
